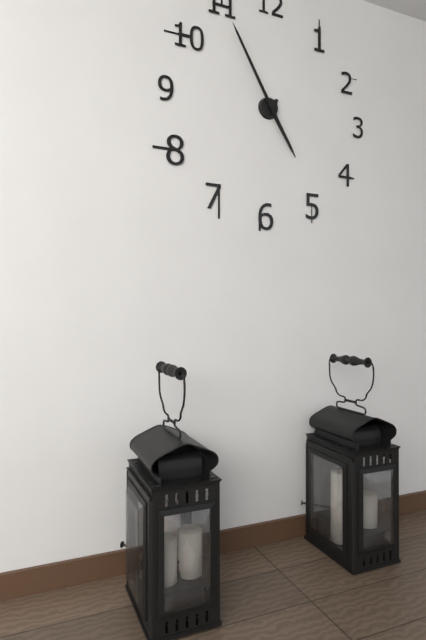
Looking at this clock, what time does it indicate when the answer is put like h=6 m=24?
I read h=4 m=55
